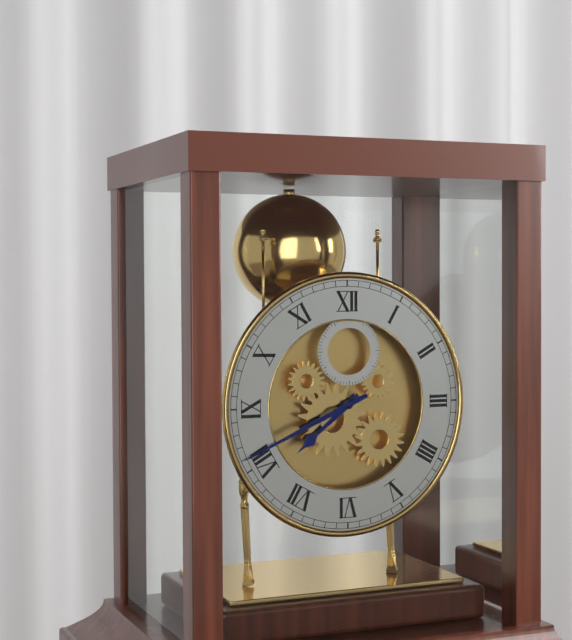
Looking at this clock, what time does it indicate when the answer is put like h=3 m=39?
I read h=7 m=41
